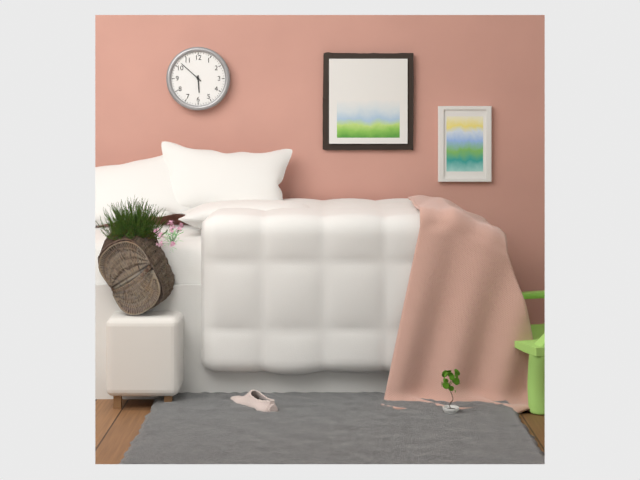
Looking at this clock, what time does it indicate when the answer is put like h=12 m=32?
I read h=5 m=52
